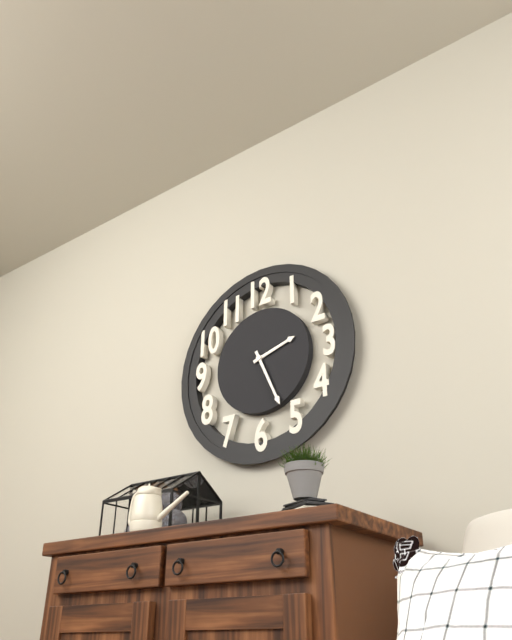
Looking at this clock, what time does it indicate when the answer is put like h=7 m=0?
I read h=2 m=26
